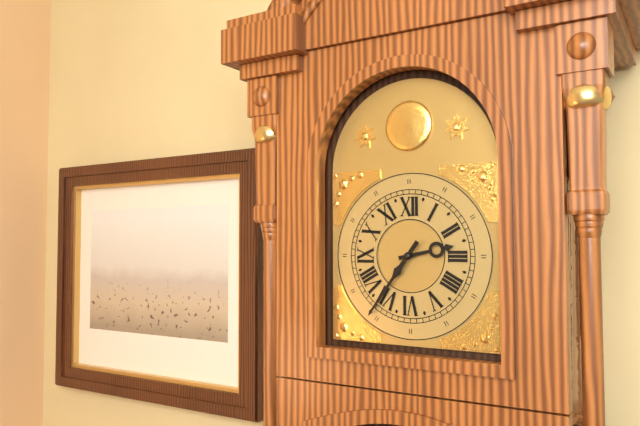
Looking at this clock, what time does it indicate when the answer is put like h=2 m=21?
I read h=2 m=36
